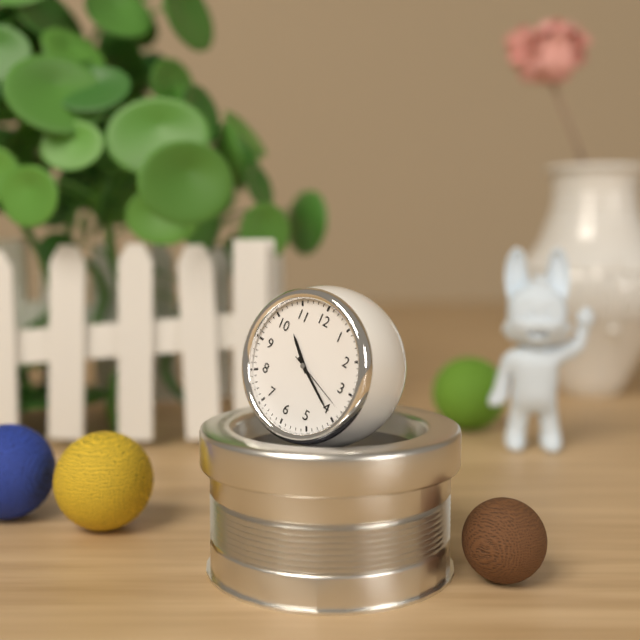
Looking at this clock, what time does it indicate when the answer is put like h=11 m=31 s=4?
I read h=10 m=20 s=18
